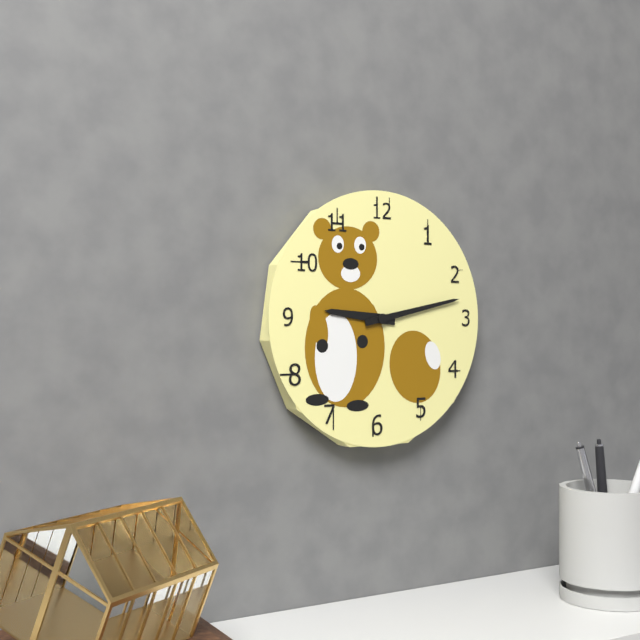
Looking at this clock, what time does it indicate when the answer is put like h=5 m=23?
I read h=9 m=13
